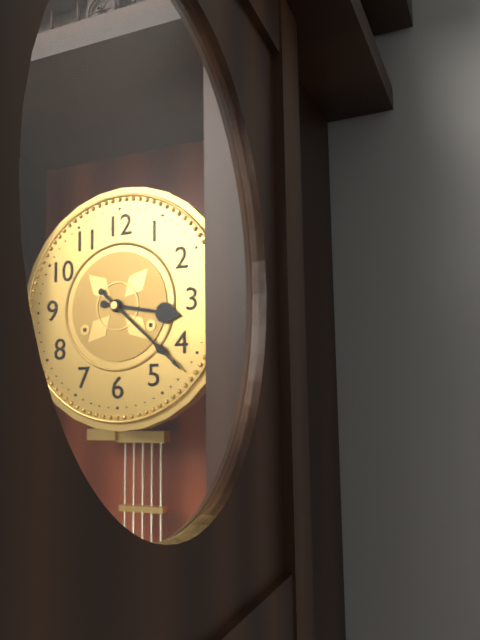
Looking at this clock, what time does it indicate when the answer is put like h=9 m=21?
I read h=3 m=22
